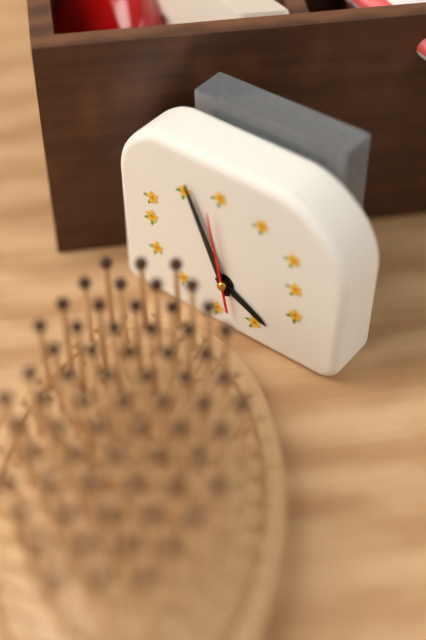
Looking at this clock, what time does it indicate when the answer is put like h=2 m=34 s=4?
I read h=3 m=56 s=58
